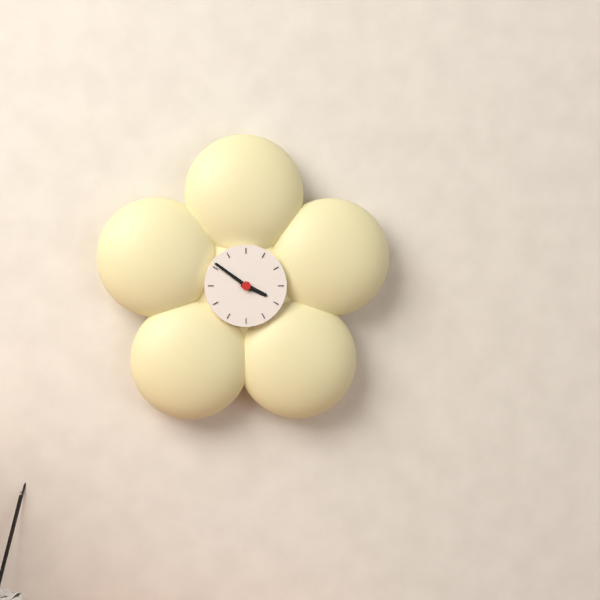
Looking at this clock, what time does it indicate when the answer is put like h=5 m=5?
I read h=3 m=51
